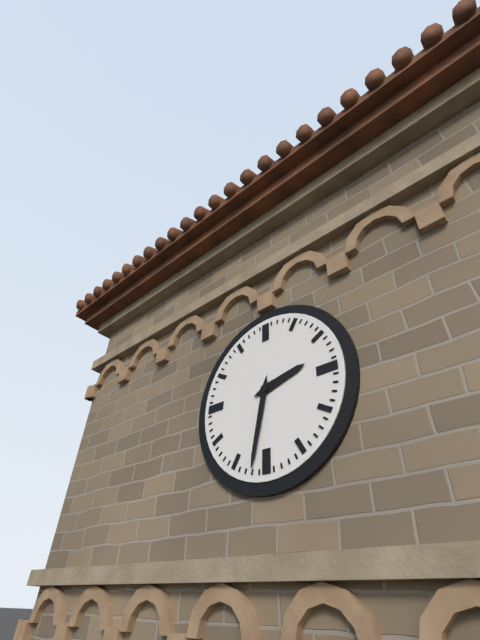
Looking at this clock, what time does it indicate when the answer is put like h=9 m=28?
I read h=2 m=32
